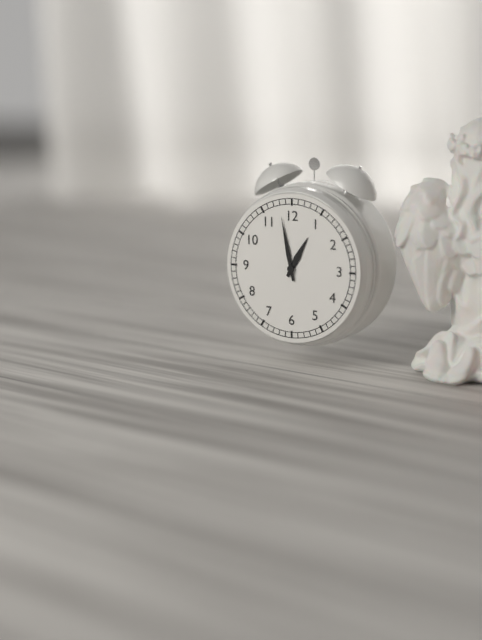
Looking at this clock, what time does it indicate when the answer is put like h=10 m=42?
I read h=12 m=58
